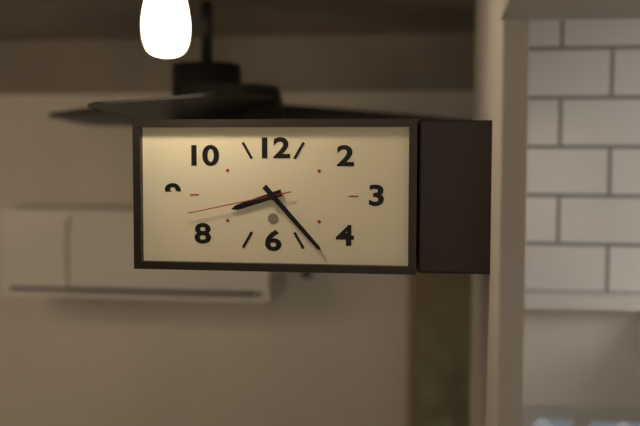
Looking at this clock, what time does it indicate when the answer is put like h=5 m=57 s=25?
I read h=8 m=23 s=43
